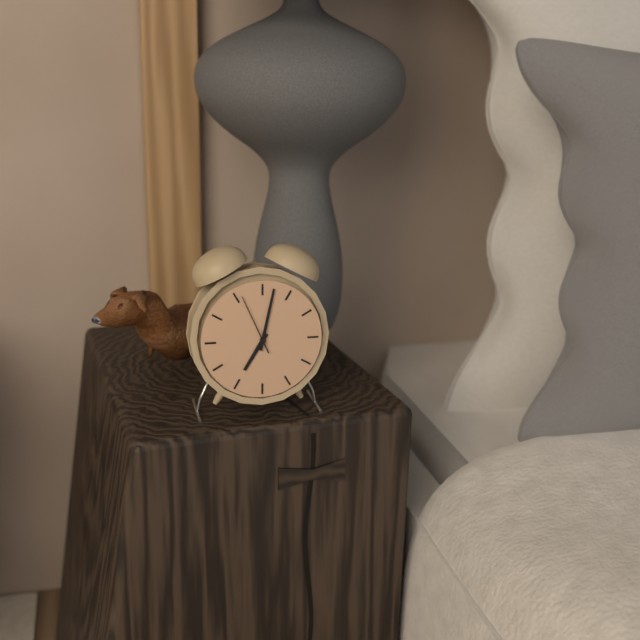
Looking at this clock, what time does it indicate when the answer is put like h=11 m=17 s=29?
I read h=7 m=2 s=56
